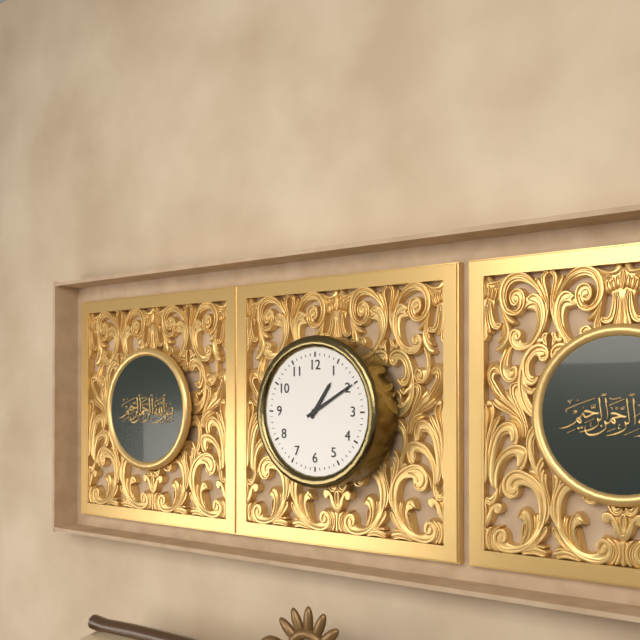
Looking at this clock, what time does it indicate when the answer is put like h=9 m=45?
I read h=1 m=10
